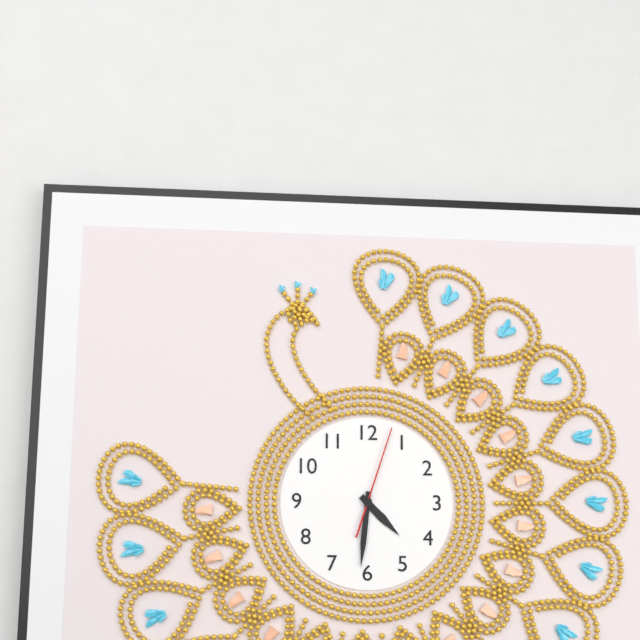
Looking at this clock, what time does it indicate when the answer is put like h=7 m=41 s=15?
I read h=4 m=31 s=3
